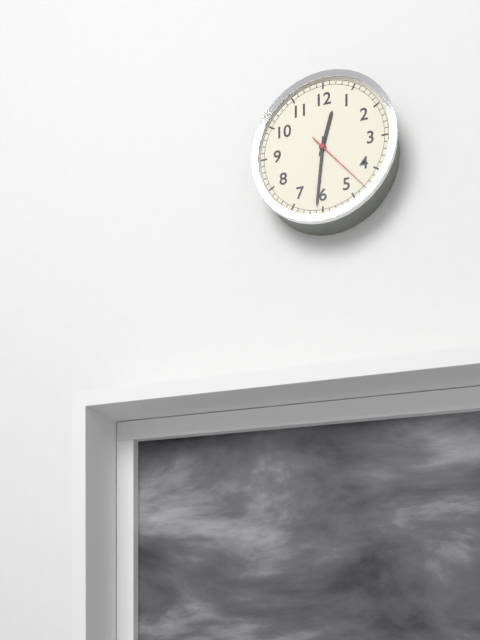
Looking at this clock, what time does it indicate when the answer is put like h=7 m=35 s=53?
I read h=12 m=31 s=23
